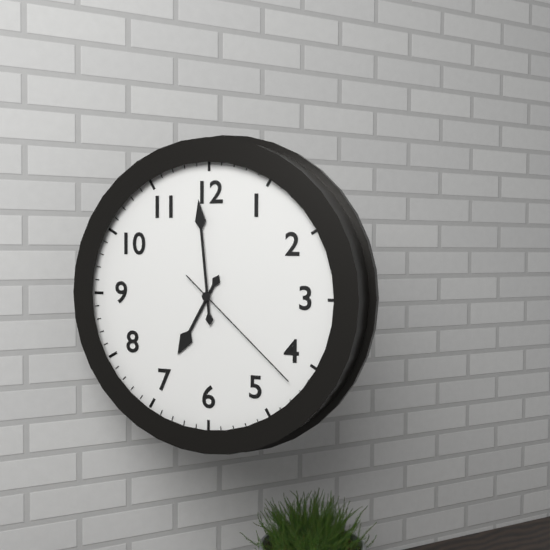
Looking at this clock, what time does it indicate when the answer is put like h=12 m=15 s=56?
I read h=6 m=59 s=22
